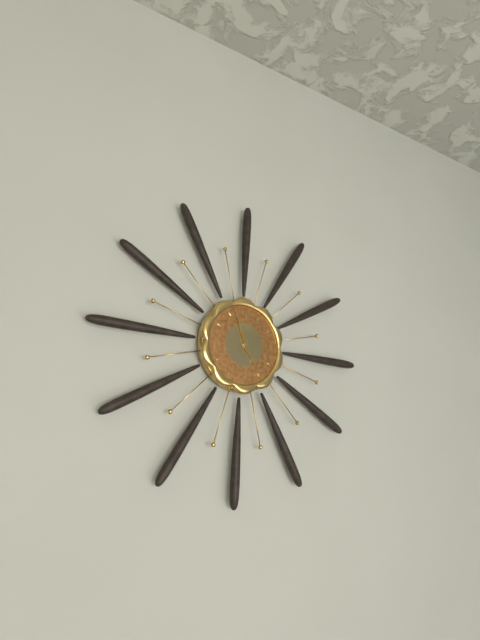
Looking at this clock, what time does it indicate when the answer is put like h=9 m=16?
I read h=4 m=57
